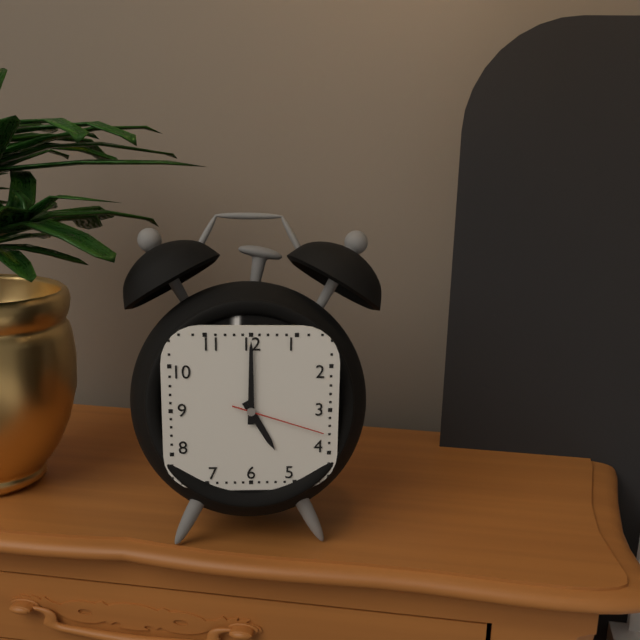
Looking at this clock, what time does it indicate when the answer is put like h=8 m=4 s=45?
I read h=5 m=0 s=18
